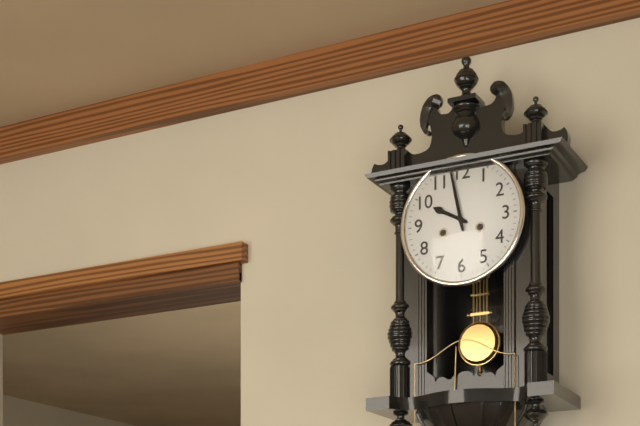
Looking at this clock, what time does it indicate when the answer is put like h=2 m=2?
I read h=9 m=58
